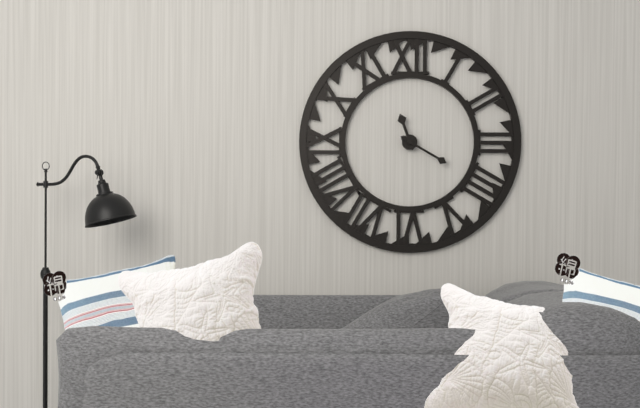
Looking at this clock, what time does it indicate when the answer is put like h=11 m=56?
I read h=11 m=20
